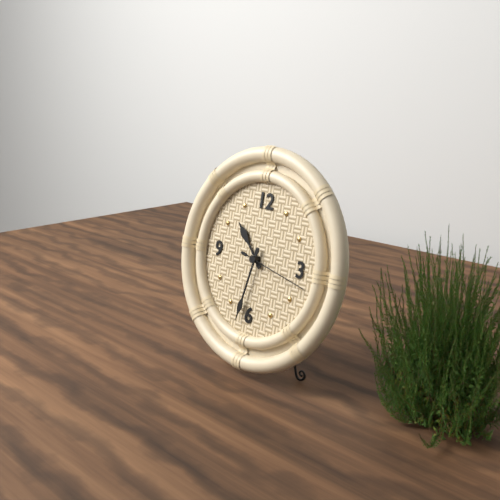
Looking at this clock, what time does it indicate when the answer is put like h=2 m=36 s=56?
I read h=10 m=32 s=17
